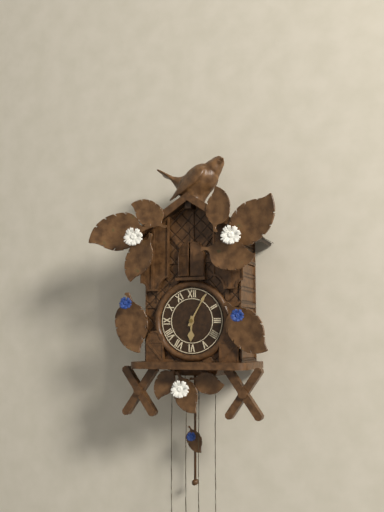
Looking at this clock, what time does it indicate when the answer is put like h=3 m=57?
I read h=6 m=5
